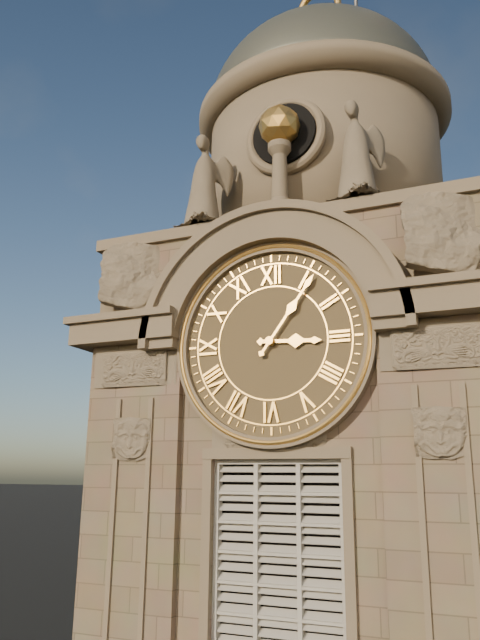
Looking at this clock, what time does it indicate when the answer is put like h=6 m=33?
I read h=3 m=6
